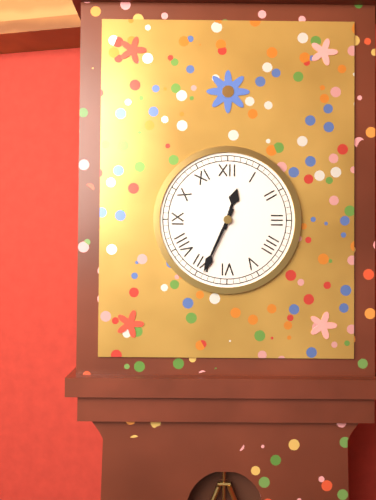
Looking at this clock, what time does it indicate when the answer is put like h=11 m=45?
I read h=12 m=34
